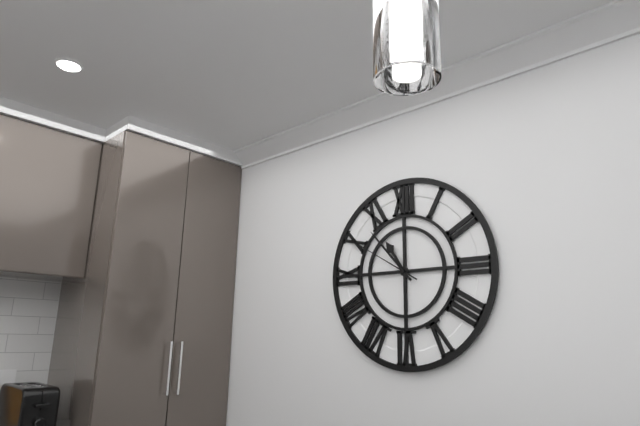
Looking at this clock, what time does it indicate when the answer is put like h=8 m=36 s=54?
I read h=10 m=53 s=50
